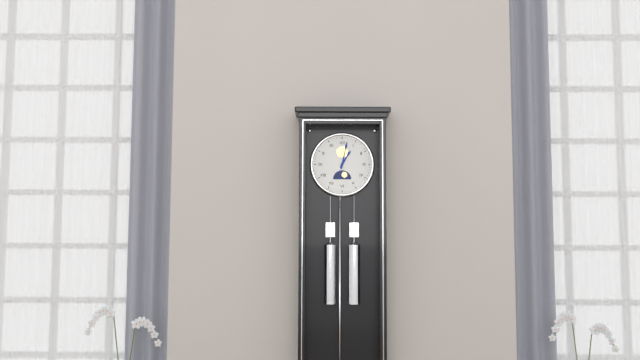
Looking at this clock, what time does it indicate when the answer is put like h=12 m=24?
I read h=1 m=2
